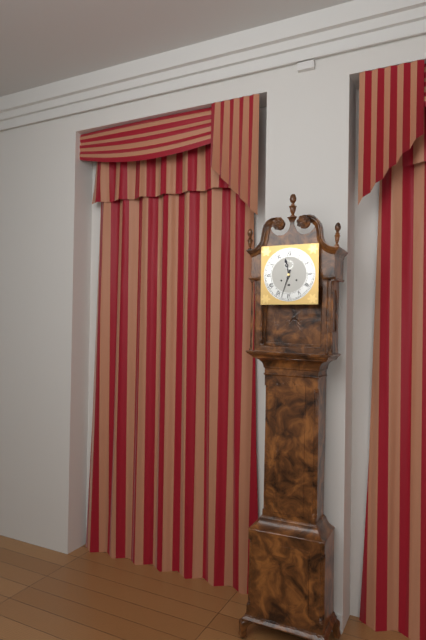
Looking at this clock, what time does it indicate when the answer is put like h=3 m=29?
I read h=11 m=33
